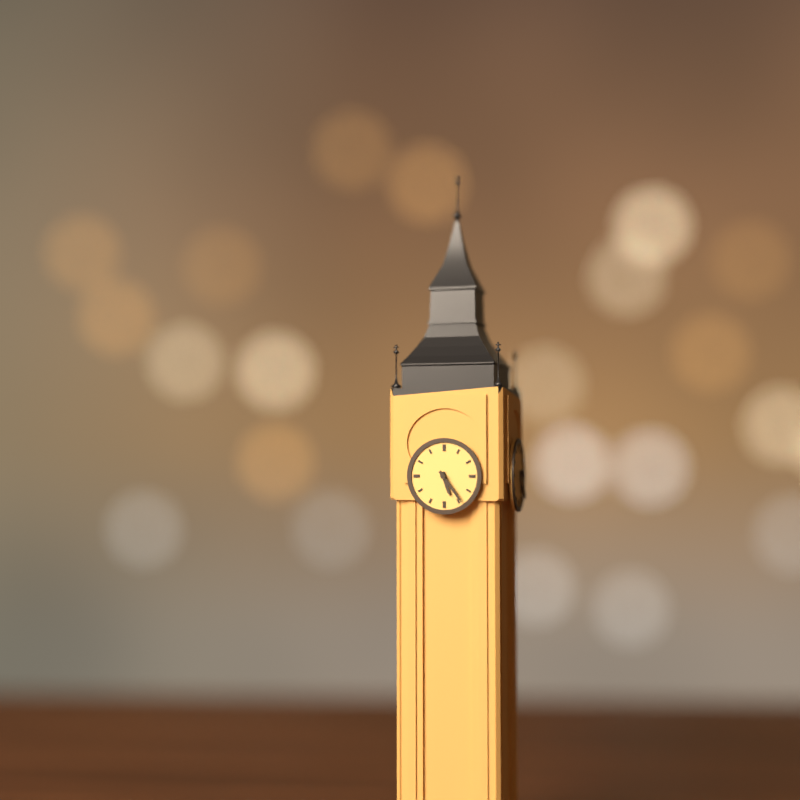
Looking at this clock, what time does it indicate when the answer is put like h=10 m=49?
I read h=5 m=24
